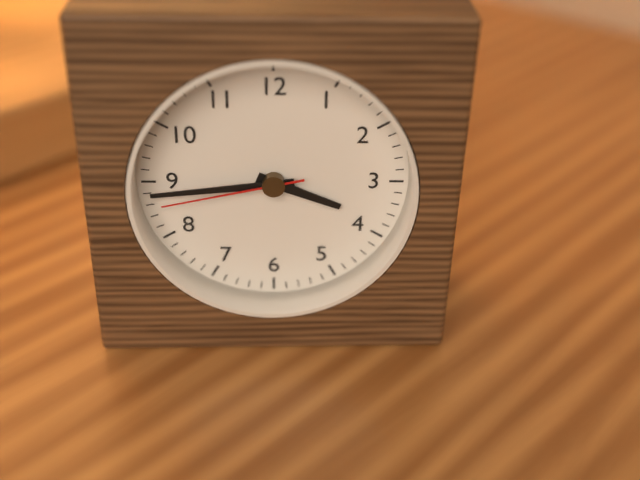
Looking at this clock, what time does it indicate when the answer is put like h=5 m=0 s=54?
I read h=3 m=44 s=43
